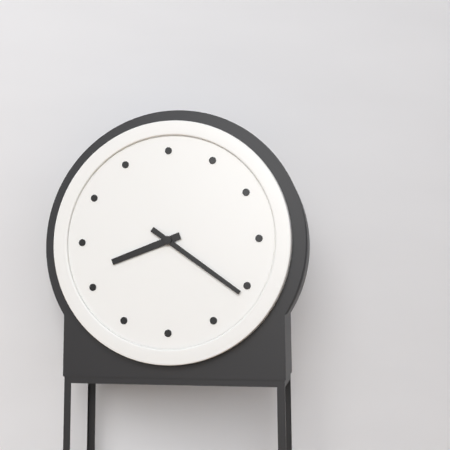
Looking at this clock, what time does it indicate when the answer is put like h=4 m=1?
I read h=8 m=21
